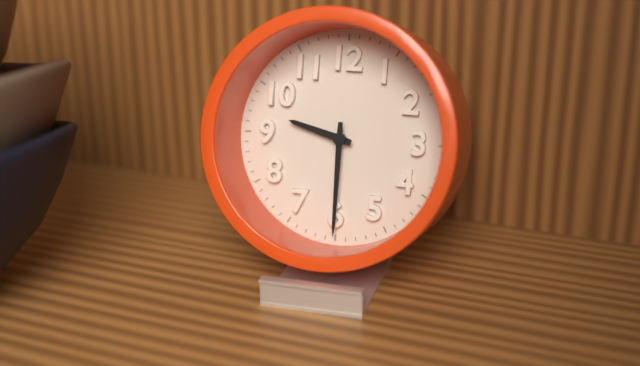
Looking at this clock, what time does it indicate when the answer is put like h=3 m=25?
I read h=9 m=30
